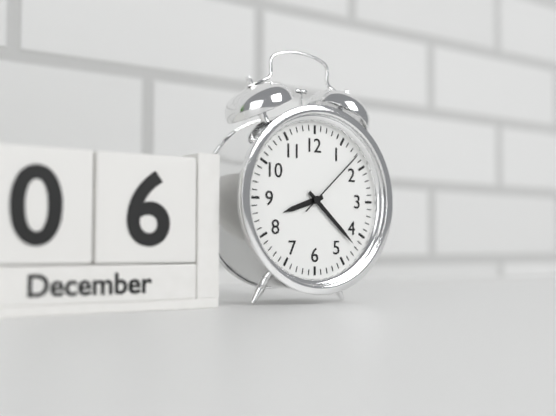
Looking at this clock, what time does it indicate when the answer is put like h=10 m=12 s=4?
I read h=8 m=22 s=8
